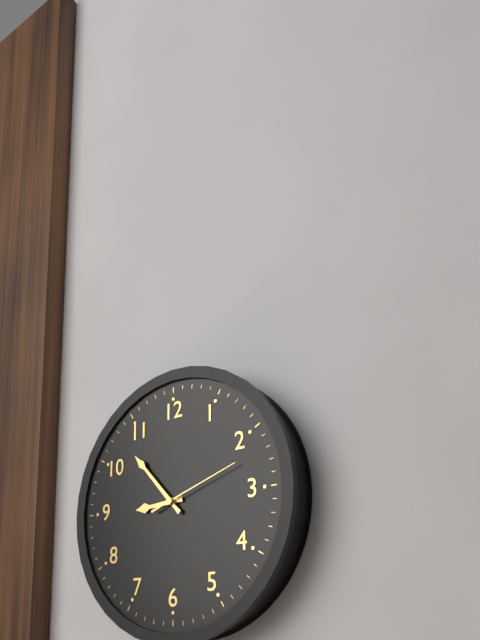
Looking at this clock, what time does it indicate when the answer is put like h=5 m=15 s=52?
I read h=8 m=53 s=12
